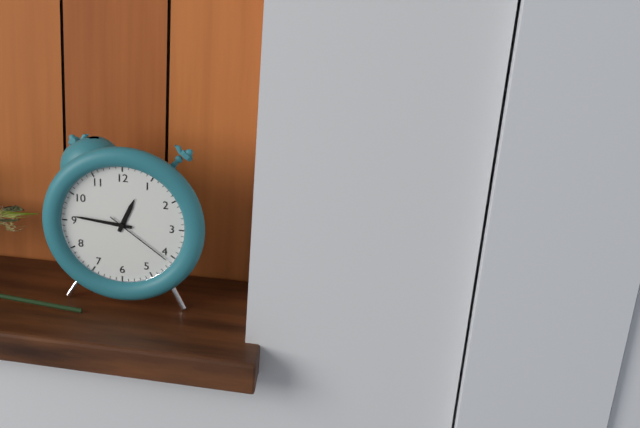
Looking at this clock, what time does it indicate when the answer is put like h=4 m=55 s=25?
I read h=12 m=46 s=21
